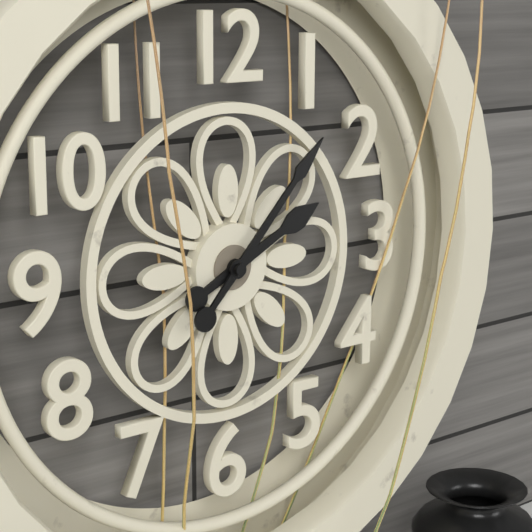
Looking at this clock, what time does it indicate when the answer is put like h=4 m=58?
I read h=2 m=7
